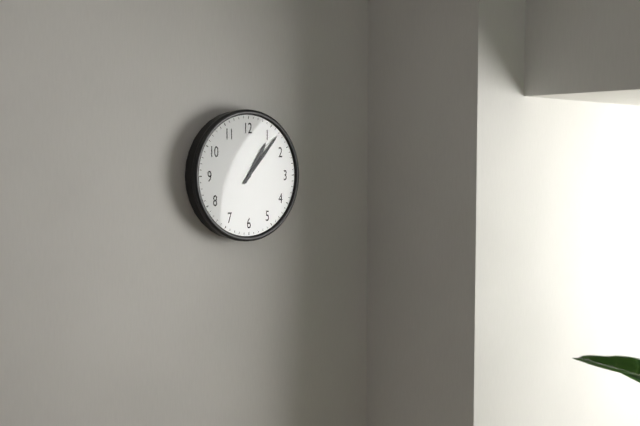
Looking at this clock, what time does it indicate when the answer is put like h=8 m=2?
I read h=1 m=7
